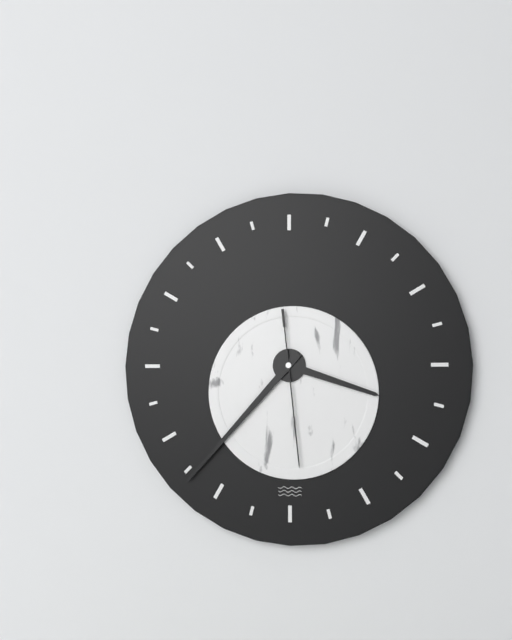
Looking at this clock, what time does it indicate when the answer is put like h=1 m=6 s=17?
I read h=3 m=37 s=29
